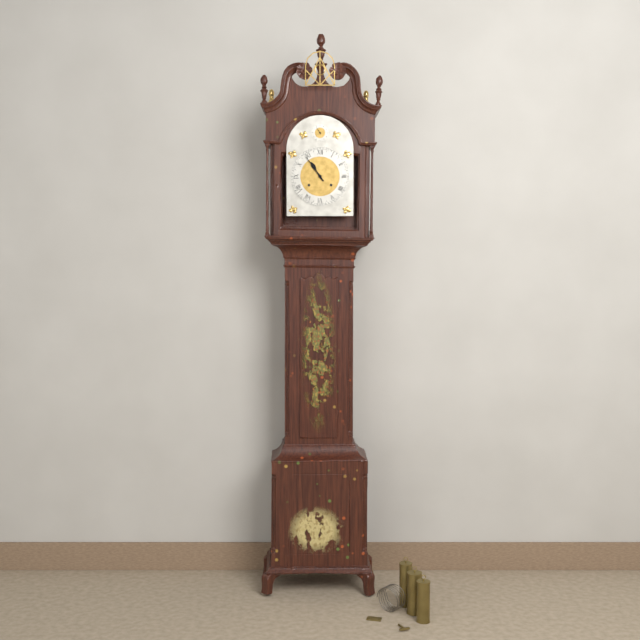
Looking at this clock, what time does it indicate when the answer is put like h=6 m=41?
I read h=10 m=54
